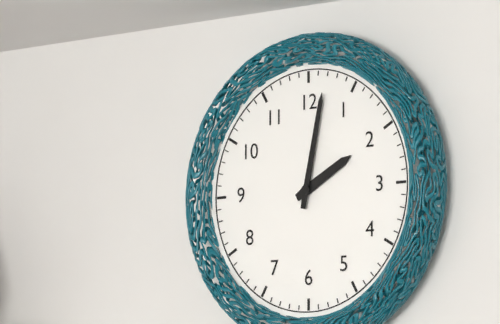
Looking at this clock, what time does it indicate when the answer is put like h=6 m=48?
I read h=2 m=2
